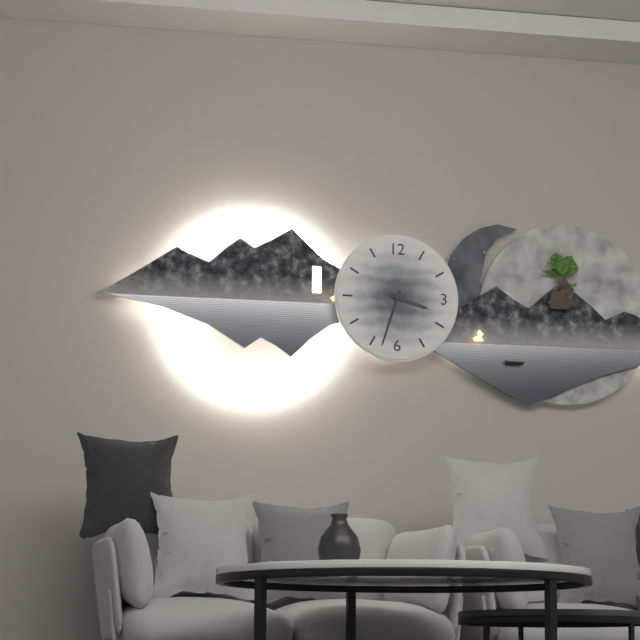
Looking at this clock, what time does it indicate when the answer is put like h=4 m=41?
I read h=3 m=33
